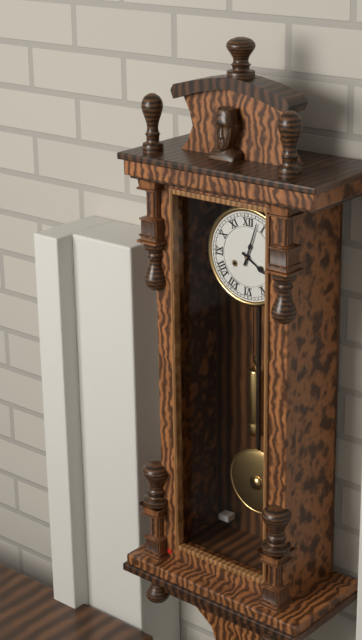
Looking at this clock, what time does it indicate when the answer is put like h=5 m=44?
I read h=4 m=3
